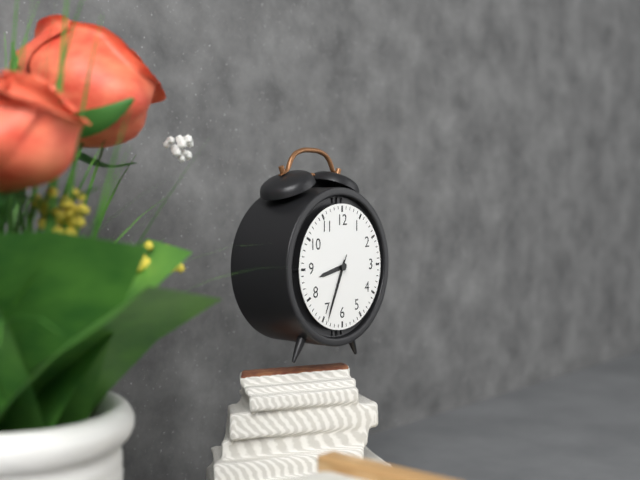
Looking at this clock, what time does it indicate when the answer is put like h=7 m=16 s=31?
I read h=8 m=34 s=34
